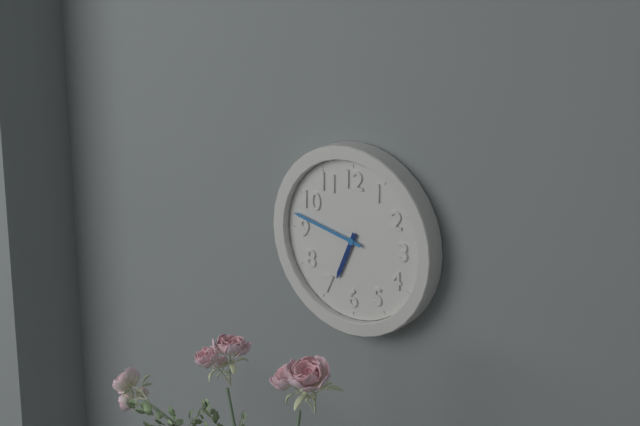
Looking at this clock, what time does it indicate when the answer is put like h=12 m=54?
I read h=6 m=47
